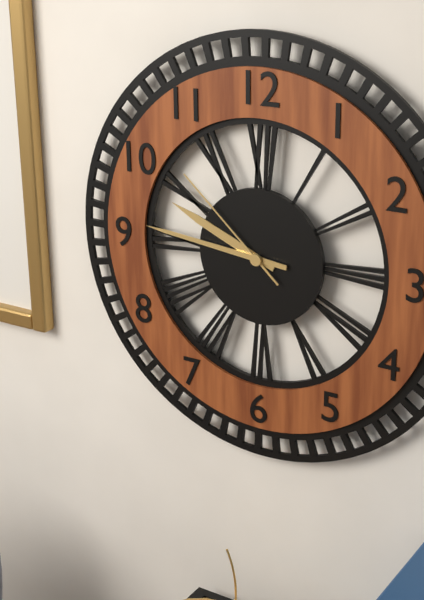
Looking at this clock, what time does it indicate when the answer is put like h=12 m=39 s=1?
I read h=9 m=46 s=52
